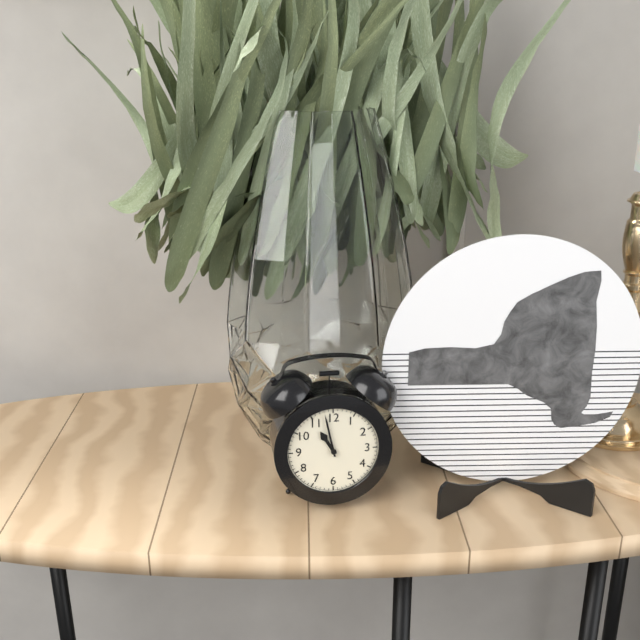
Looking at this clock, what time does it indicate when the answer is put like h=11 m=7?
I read h=10 m=58
